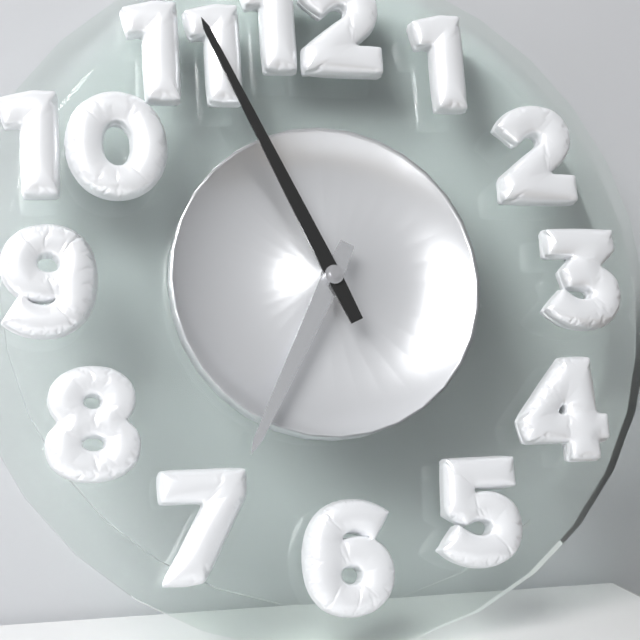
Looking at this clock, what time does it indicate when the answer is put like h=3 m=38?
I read h=6 m=56
